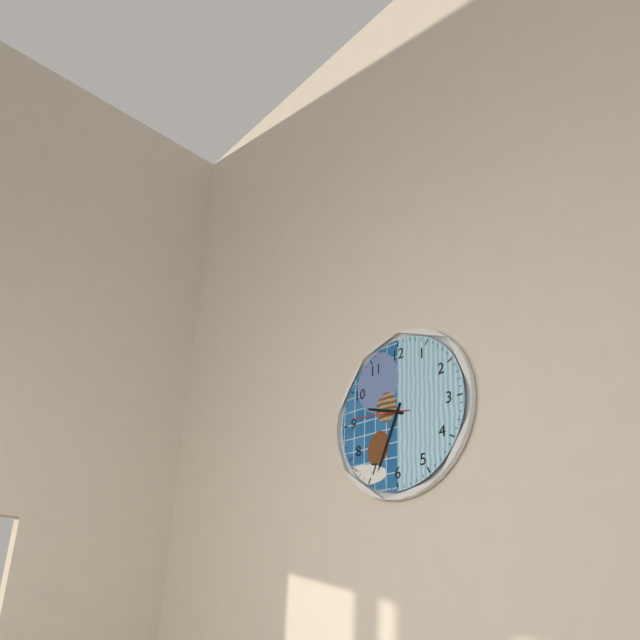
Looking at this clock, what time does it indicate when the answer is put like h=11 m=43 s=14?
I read h=9 m=34 s=46
